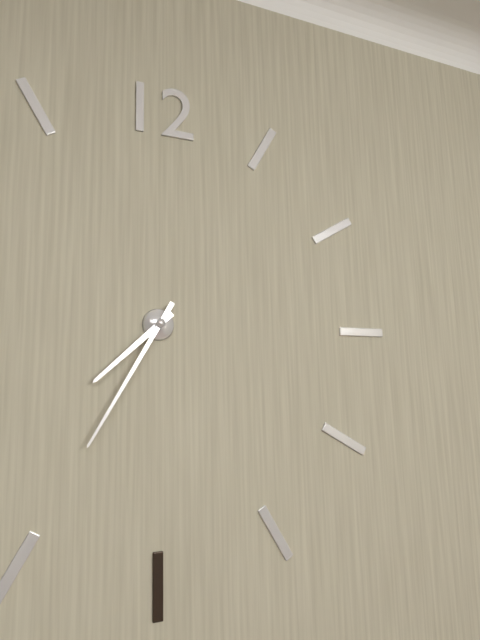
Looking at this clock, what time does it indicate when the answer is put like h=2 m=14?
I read h=7 m=35
